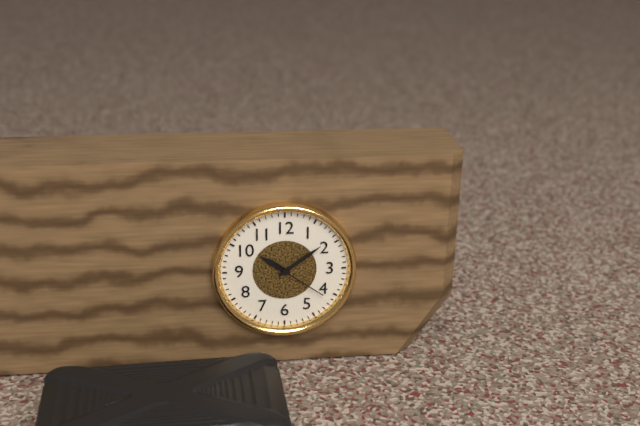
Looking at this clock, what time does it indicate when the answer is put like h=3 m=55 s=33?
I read h=10 m=9 s=21
